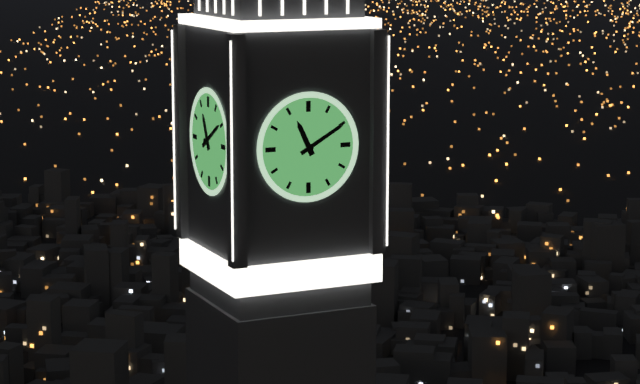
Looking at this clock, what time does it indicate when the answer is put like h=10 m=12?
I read h=11 m=10
